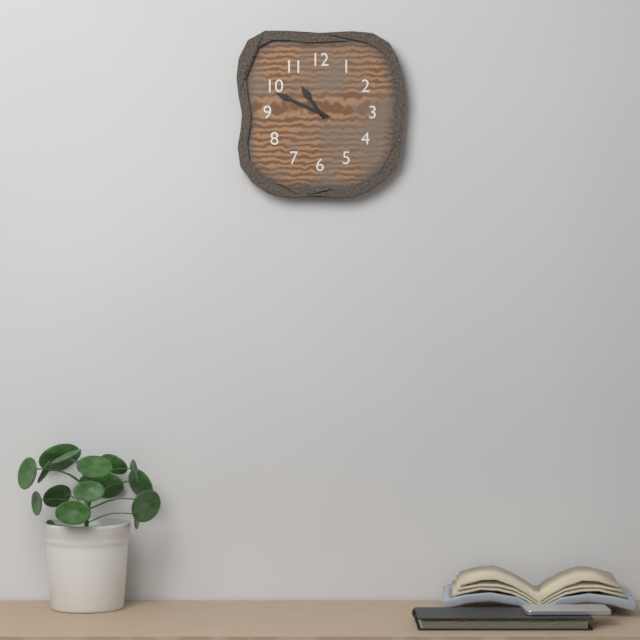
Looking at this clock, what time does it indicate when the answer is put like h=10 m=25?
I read h=10 m=49
